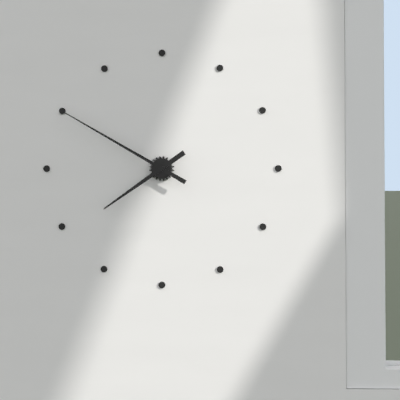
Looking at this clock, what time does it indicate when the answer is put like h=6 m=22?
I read h=7 m=50
